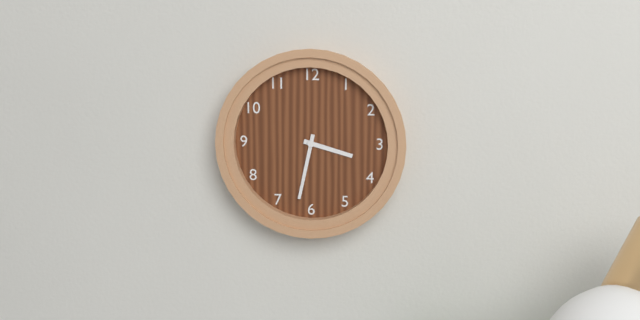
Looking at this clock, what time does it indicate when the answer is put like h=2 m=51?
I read h=3 m=32
